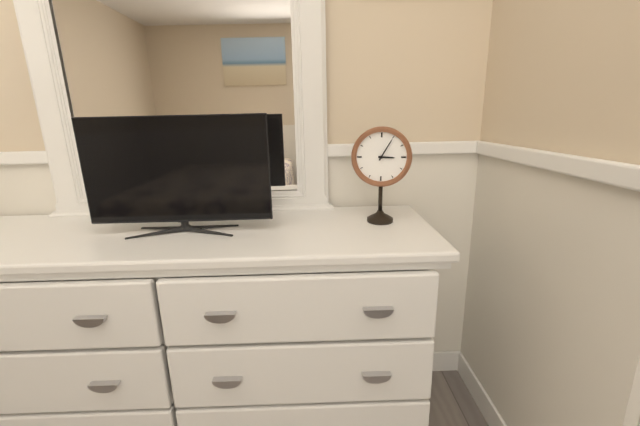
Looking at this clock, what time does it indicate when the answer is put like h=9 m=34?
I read h=3 m=5
